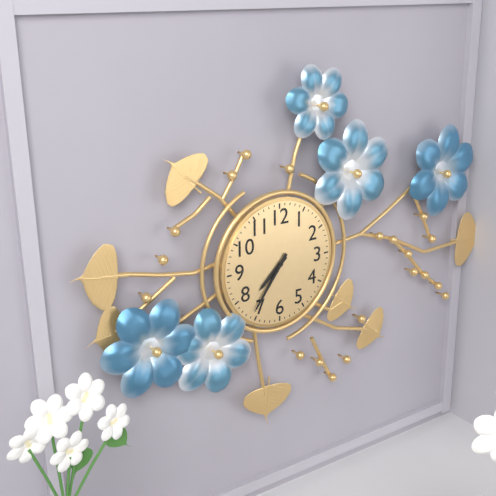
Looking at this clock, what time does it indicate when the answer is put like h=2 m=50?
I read h=7 m=36
